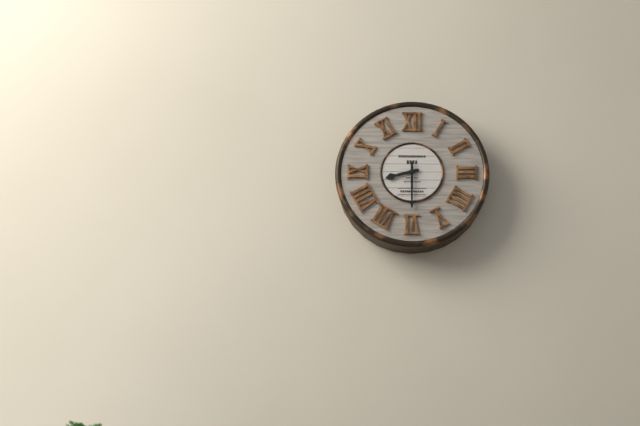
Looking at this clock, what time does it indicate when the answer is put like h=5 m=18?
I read h=8 m=30
